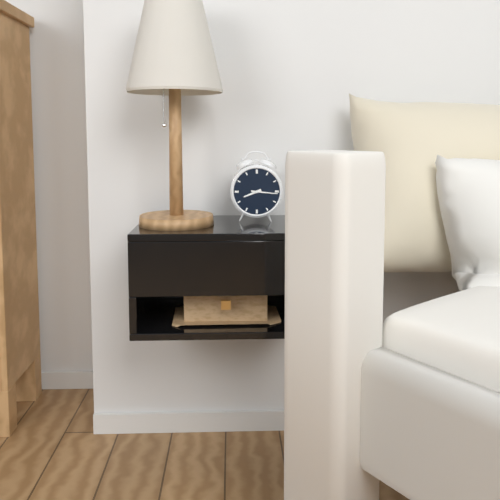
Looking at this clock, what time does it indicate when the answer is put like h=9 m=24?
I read h=8 m=16
